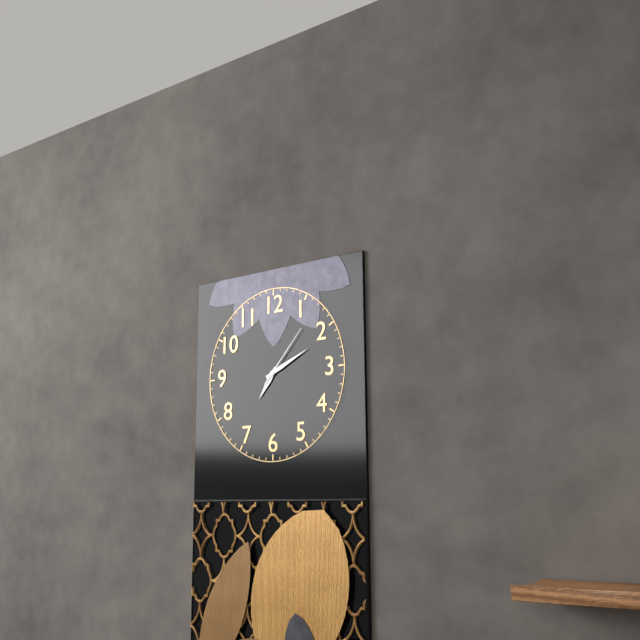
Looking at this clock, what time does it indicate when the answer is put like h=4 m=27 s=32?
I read h=7 m=11 s=7
